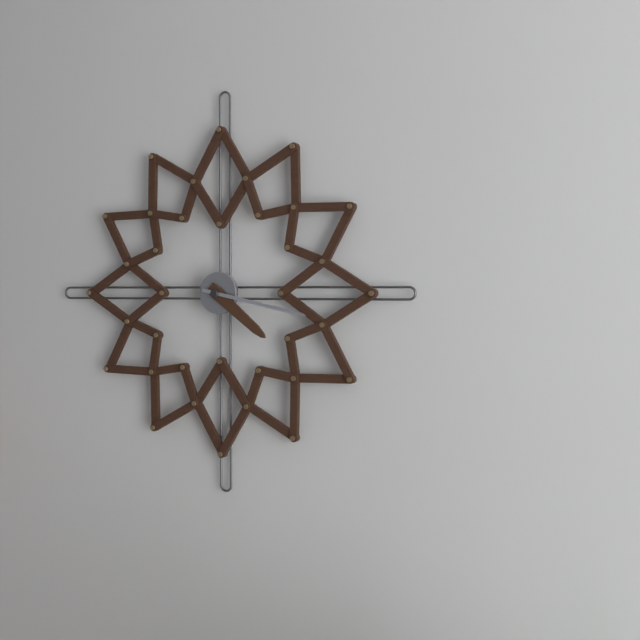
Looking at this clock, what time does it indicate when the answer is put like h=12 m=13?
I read h=4 m=17
